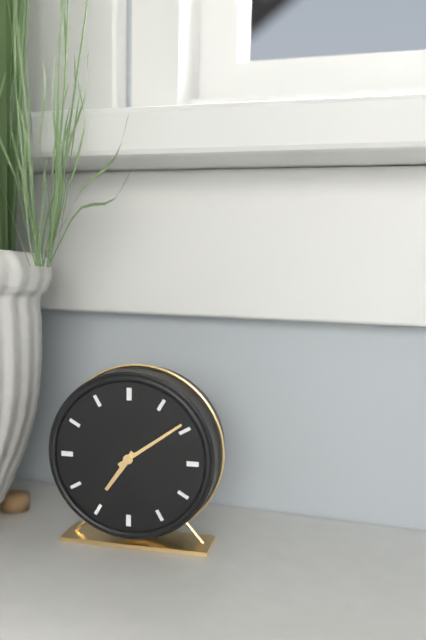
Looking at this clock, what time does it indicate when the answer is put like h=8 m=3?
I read h=7 m=9
